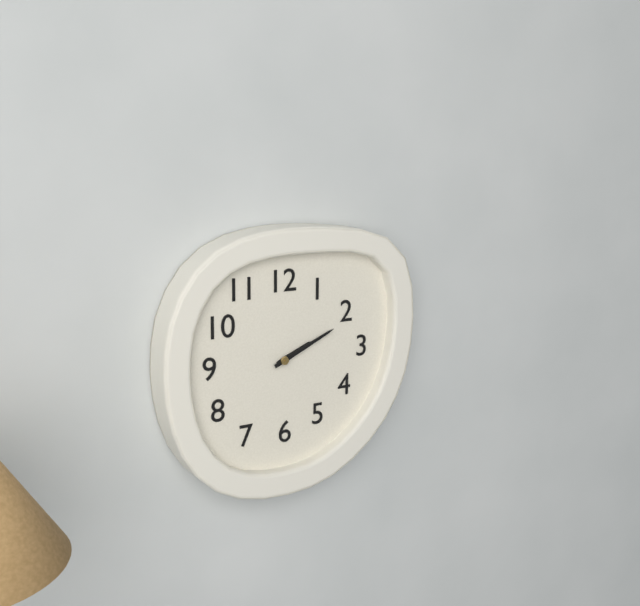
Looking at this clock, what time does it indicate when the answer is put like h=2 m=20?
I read h=2 m=11
